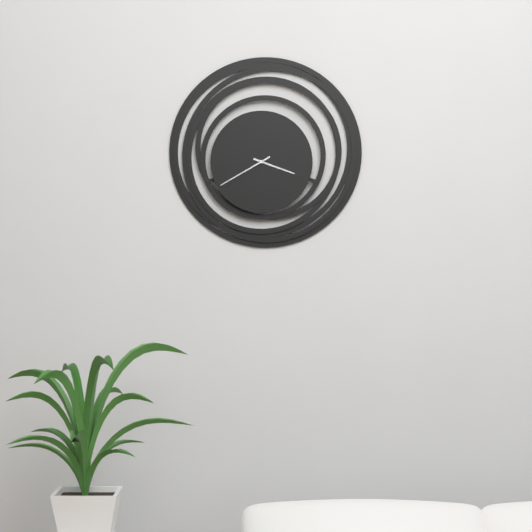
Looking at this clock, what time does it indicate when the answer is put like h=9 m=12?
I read h=3 m=40
